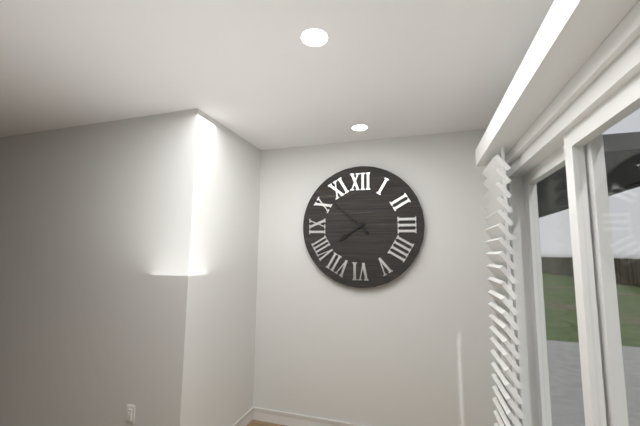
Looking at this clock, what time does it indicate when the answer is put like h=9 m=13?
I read h=7 m=52
